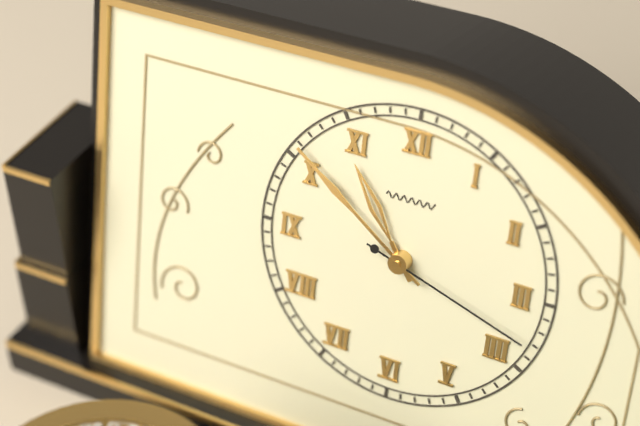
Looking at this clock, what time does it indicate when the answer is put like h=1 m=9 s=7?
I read h=10 m=51 s=18
